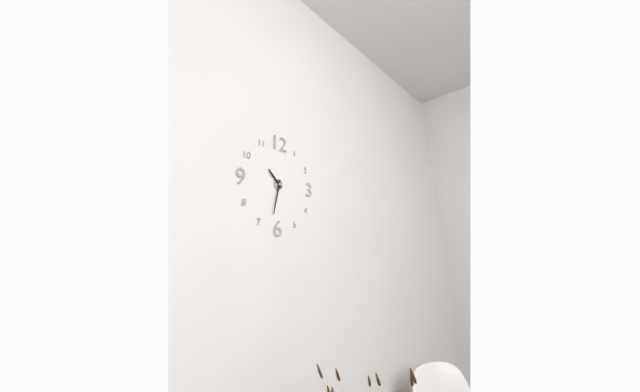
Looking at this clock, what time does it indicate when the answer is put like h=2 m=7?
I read h=10 m=32
